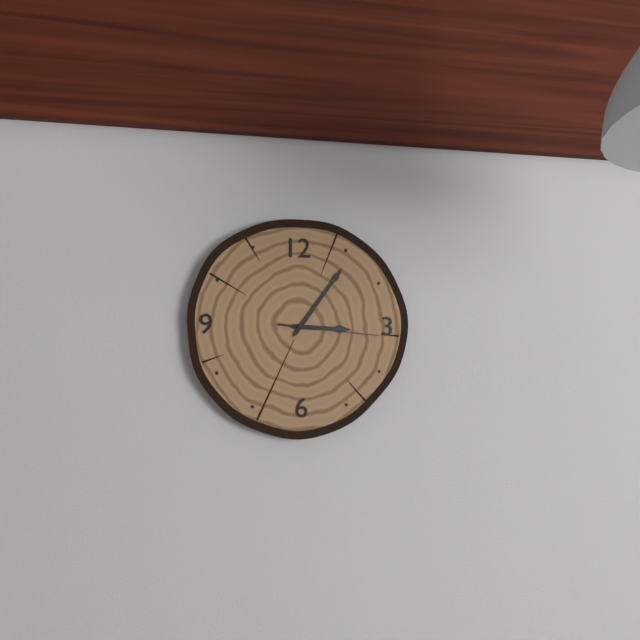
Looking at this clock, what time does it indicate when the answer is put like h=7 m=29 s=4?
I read h=3 m=6 s=16
